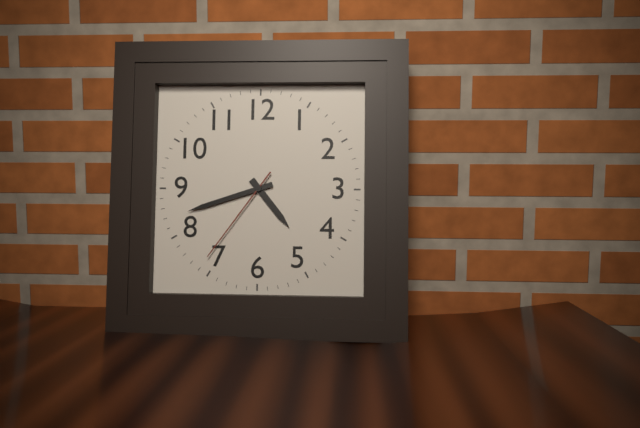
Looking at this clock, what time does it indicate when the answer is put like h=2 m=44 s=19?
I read h=4 m=42 s=36
